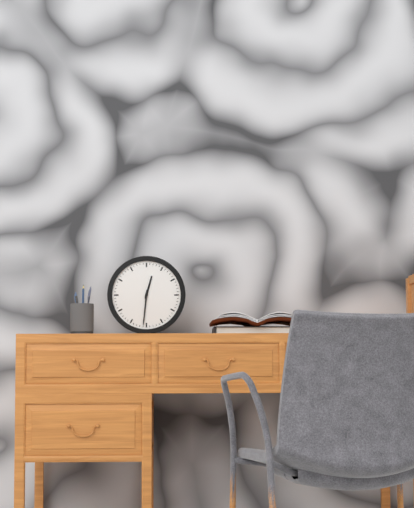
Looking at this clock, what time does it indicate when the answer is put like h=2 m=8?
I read h=12 m=31
